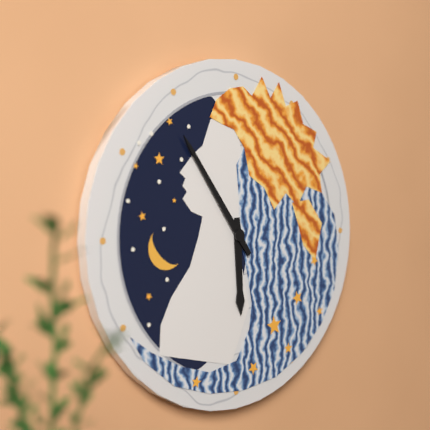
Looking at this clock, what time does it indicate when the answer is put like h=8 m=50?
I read h=5 m=54
